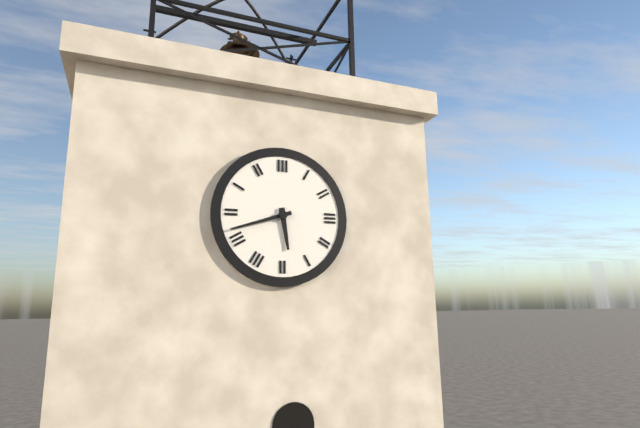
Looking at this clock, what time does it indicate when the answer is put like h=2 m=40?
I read h=5 m=42
